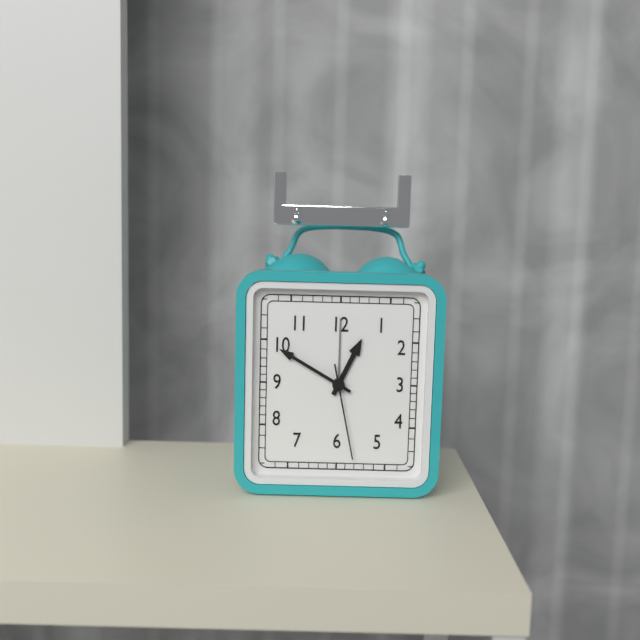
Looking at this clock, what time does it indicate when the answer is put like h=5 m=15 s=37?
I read h=12 m=50 s=28
